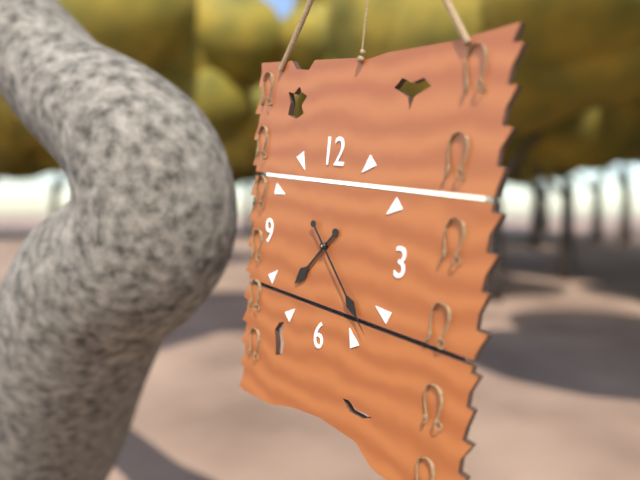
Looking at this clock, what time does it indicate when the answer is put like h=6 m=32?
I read h=7 m=23
